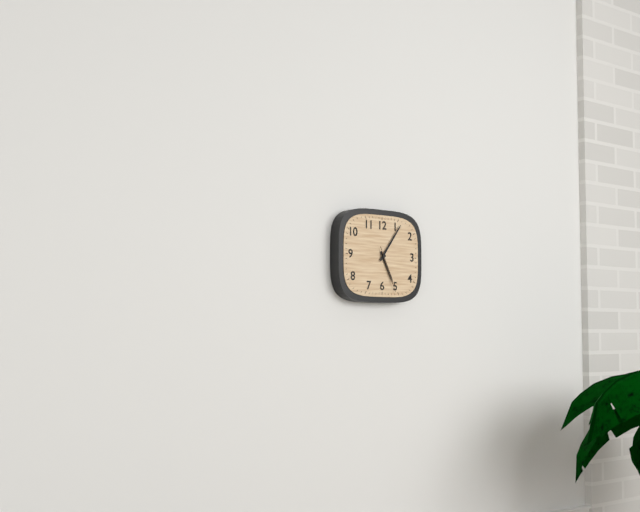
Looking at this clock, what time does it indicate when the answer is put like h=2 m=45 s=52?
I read h=5 m=6 s=26
